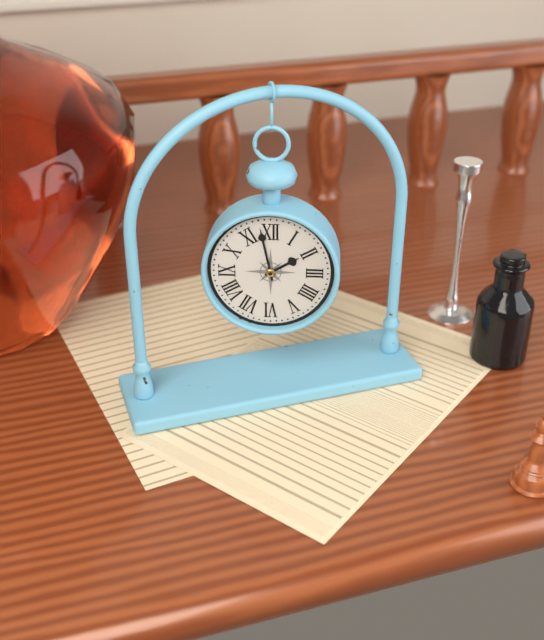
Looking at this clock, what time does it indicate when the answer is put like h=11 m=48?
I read h=1 m=58
